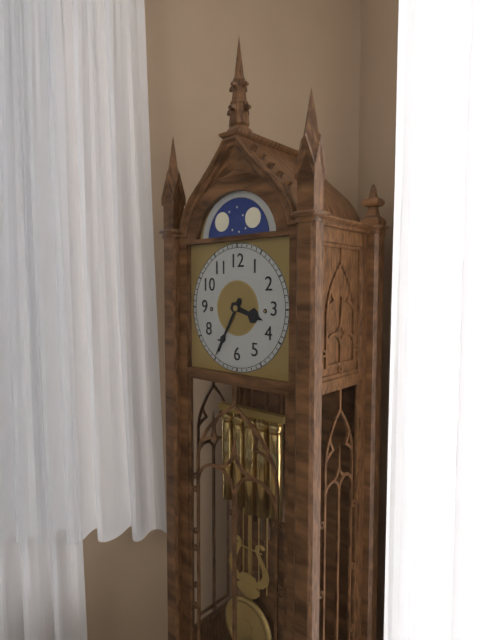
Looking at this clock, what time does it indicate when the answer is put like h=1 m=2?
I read h=3 m=35
